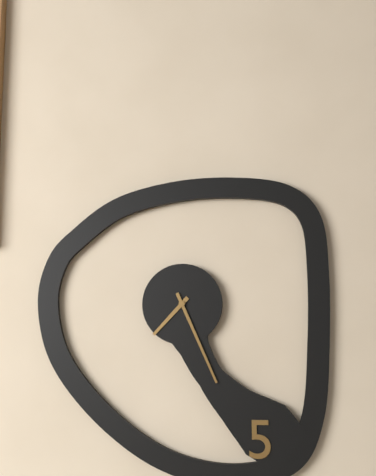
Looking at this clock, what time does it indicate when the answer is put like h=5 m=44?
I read h=7 m=26
